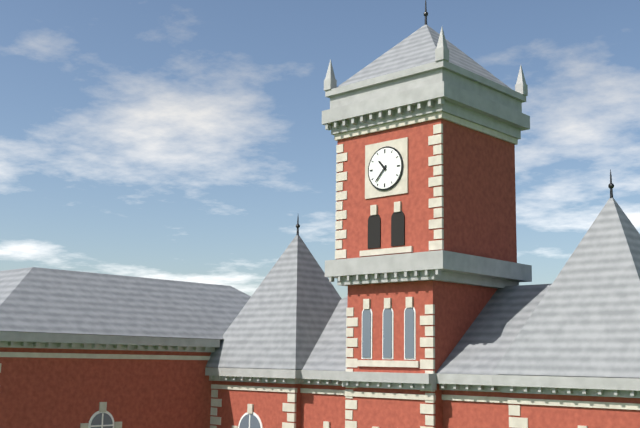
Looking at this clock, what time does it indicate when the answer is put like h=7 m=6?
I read h=10 m=37
